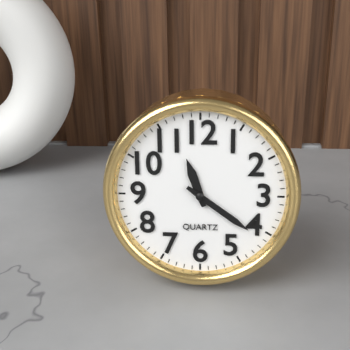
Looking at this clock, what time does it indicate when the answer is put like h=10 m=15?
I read h=11 m=21
